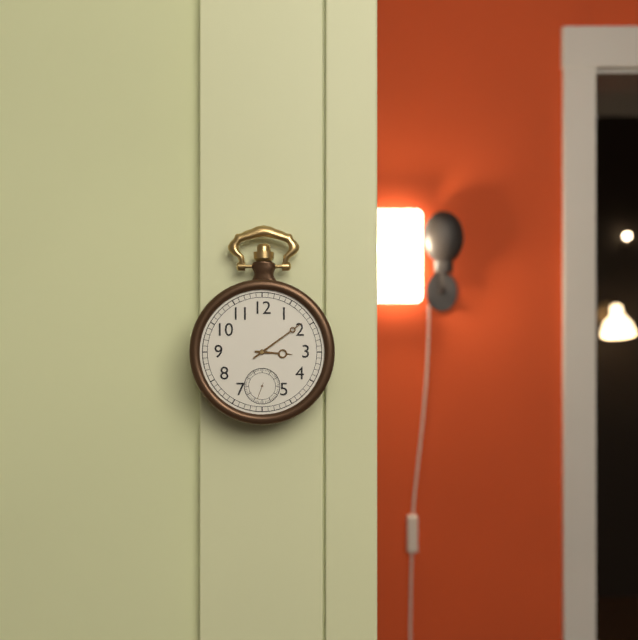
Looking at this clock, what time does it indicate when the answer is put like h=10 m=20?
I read h=3 m=9
